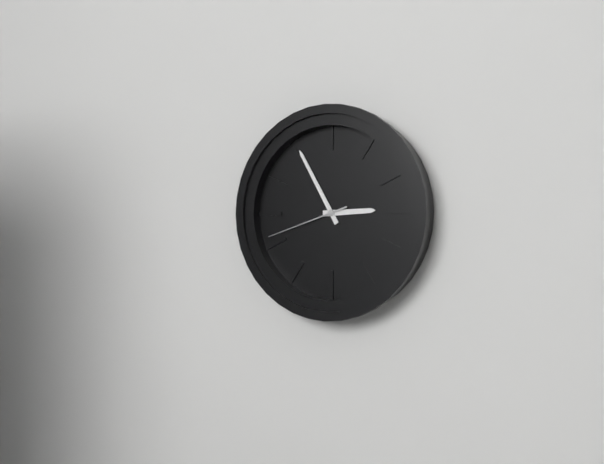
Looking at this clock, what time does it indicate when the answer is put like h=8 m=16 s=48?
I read h=2 m=55 s=42
